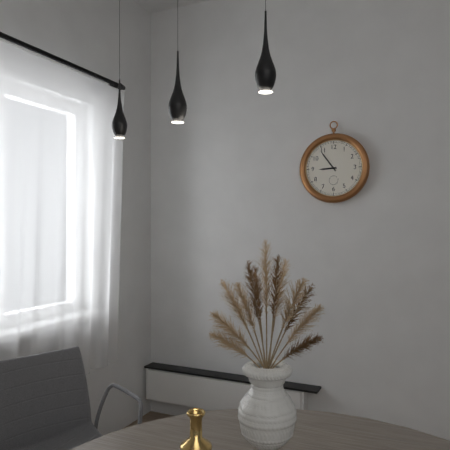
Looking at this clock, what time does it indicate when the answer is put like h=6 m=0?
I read h=8 m=54
